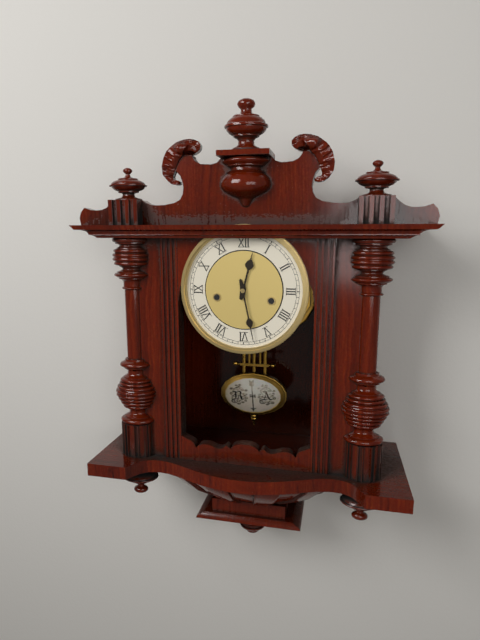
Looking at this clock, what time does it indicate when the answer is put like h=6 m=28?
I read h=12 m=28
